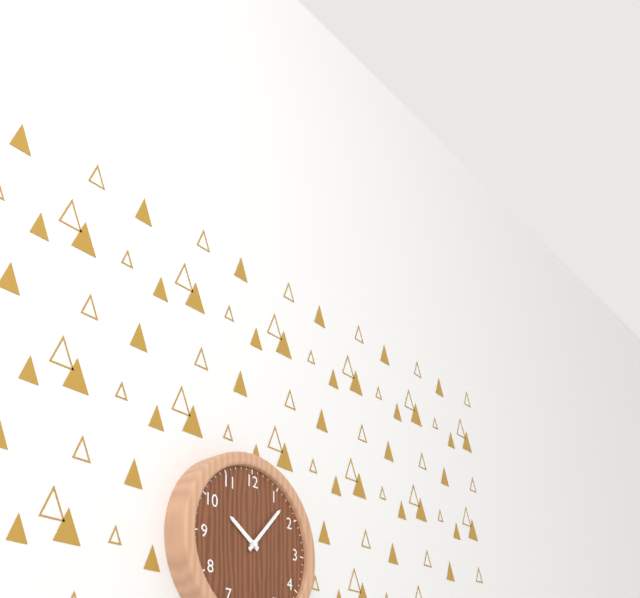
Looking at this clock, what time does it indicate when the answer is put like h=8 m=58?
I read h=10 m=7
